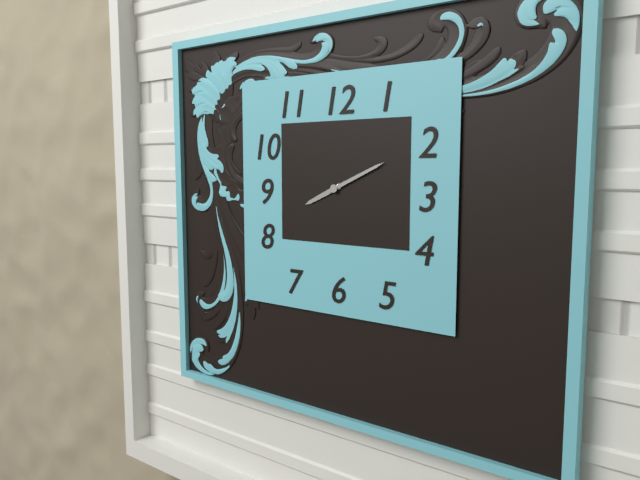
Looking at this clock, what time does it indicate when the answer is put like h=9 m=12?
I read h=8 m=11
